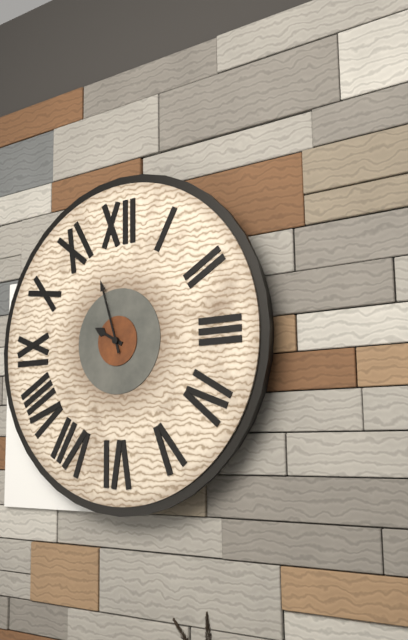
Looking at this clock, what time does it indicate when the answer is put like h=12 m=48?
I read h=9 m=57
